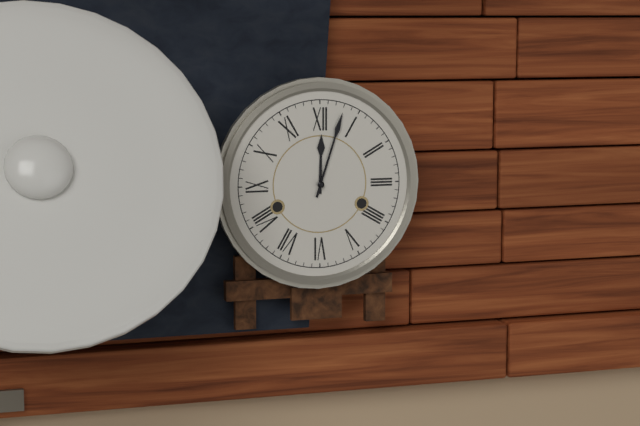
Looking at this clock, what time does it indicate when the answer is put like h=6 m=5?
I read h=12 m=3
